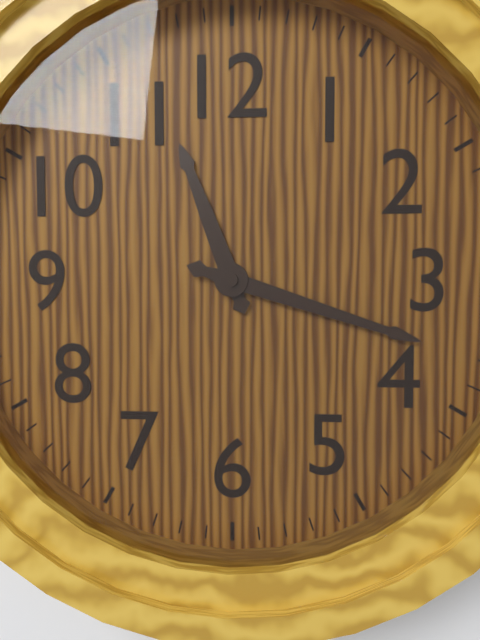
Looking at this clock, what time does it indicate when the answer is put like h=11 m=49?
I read h=11 m=18
